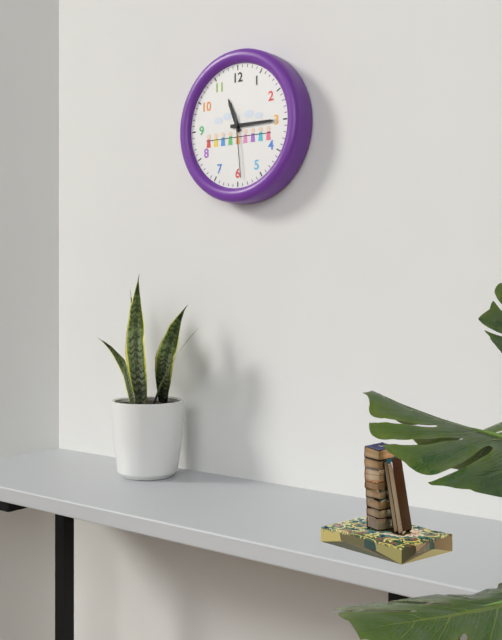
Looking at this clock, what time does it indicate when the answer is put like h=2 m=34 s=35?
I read h=11 m=15 s=29
